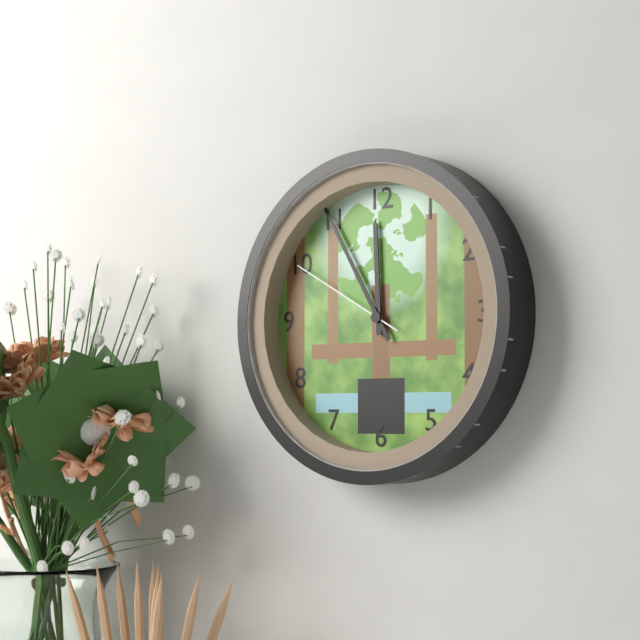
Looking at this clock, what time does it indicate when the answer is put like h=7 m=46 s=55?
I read h=11 m=55 s=50
